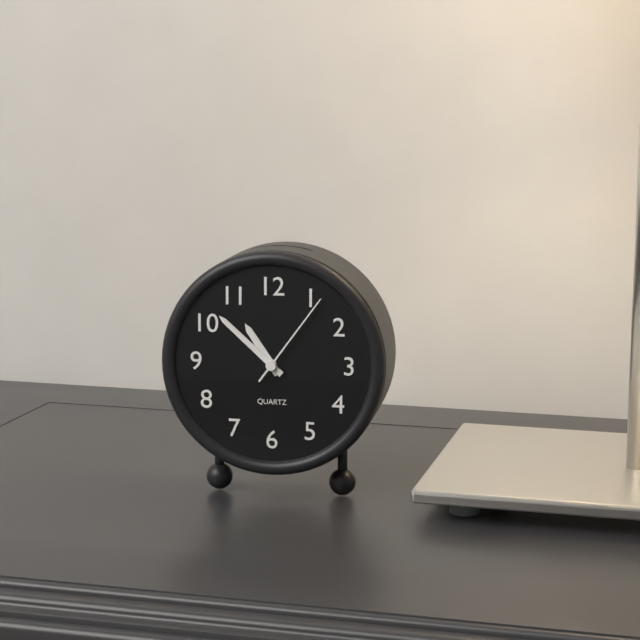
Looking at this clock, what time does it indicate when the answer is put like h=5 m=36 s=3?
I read h=10 m=52 s=6
